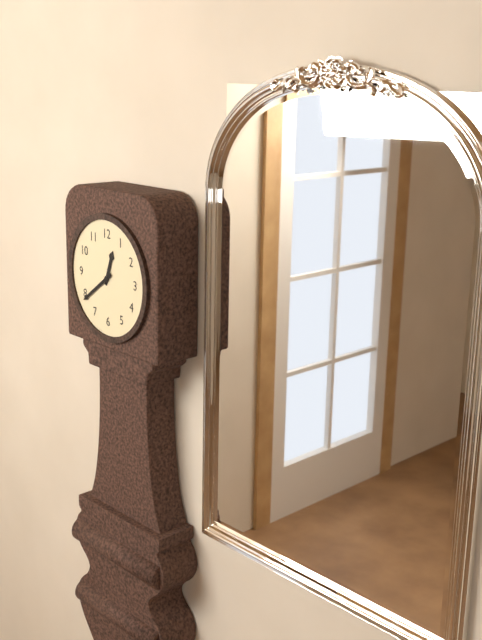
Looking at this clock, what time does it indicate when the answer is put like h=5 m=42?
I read h=12 m=39
